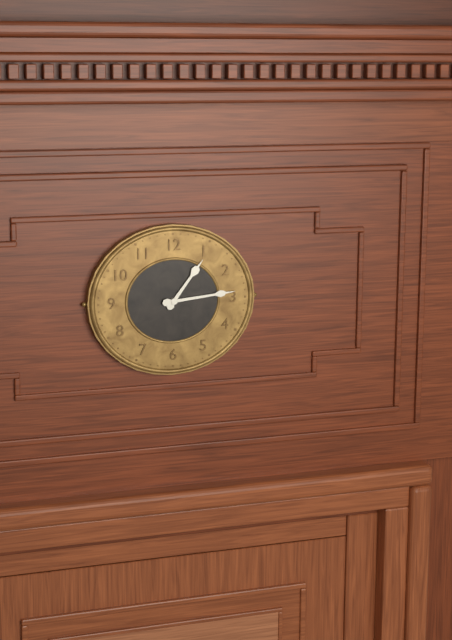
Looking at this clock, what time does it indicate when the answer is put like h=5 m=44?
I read h=1 m=14
